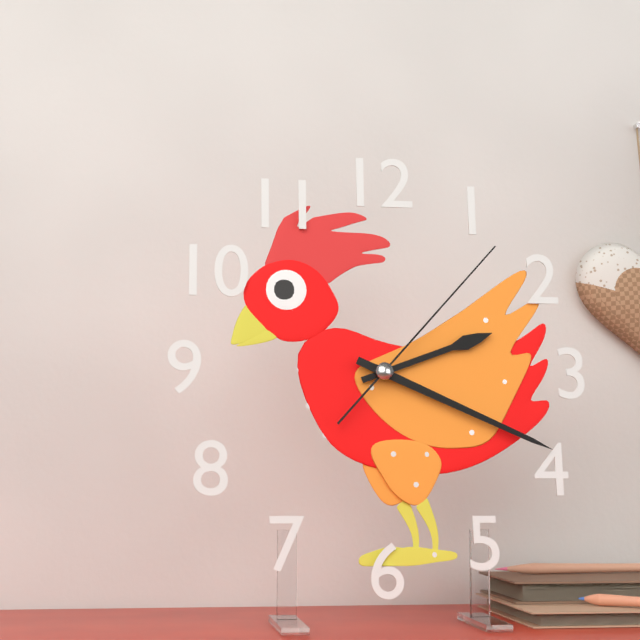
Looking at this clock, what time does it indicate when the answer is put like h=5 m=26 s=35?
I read h=2 m=19 s=7
